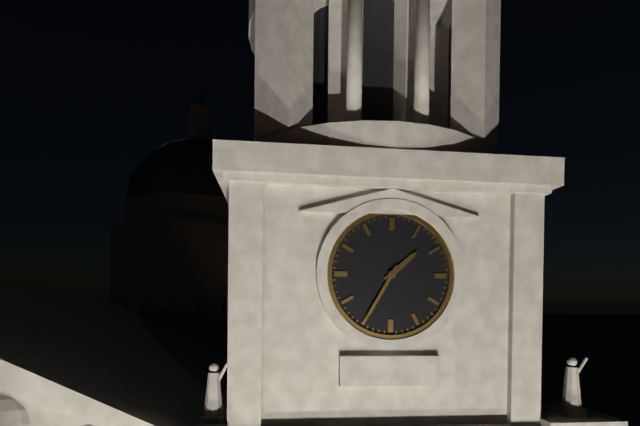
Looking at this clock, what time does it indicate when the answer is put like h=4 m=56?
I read h=1 m=35
